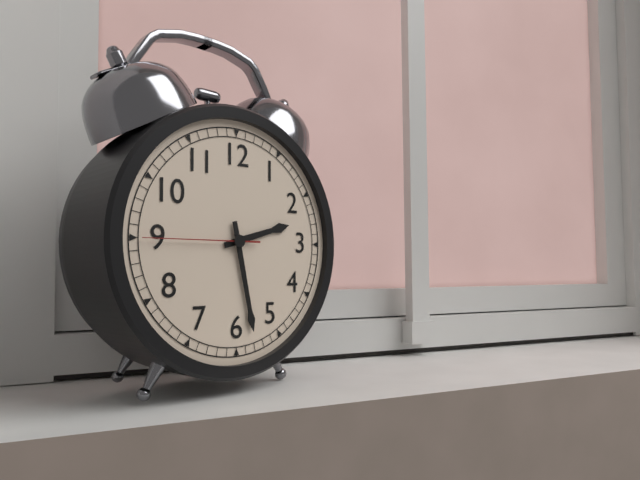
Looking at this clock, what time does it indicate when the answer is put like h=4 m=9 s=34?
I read h=2 m=28 s=45
